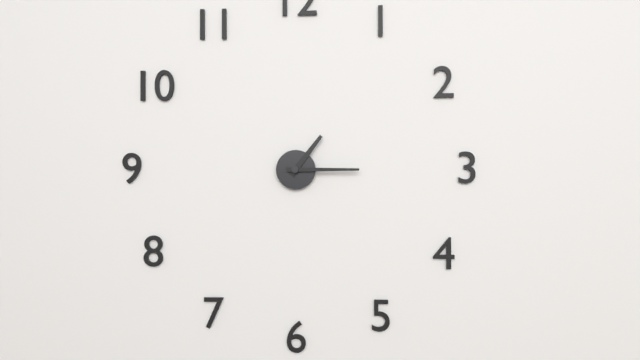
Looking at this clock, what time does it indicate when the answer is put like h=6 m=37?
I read h=1 m=15
